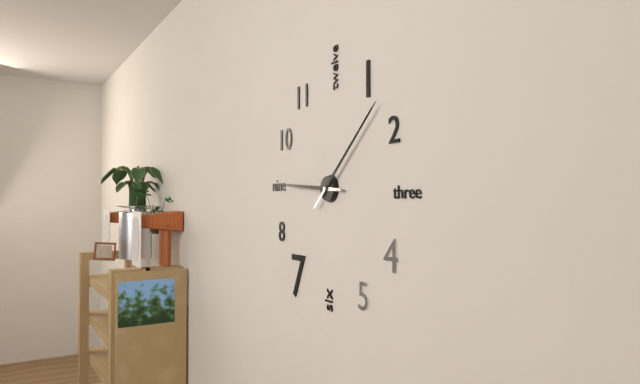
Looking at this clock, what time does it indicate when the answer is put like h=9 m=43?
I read h=9 m=8
